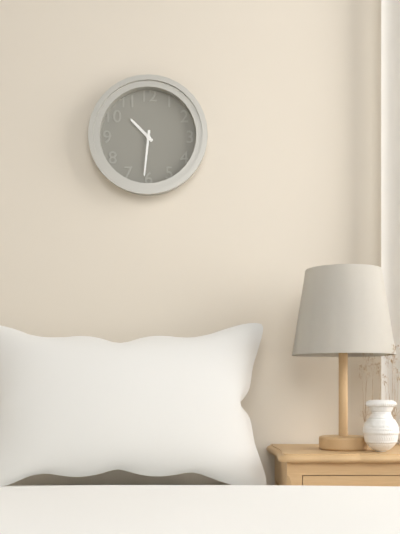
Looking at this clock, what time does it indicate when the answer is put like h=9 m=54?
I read h=10 m=31
